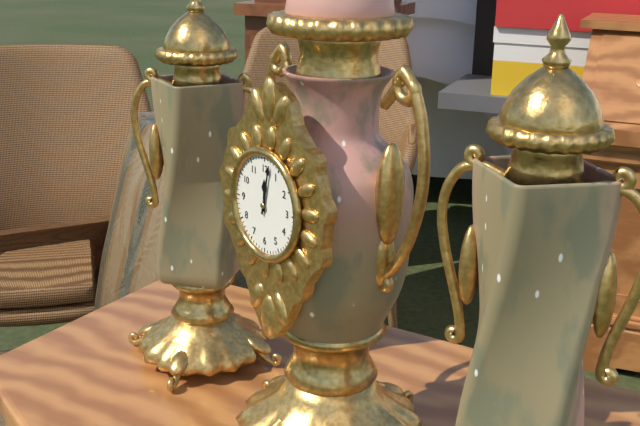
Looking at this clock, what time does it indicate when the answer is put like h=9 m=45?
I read h=12 m=2
